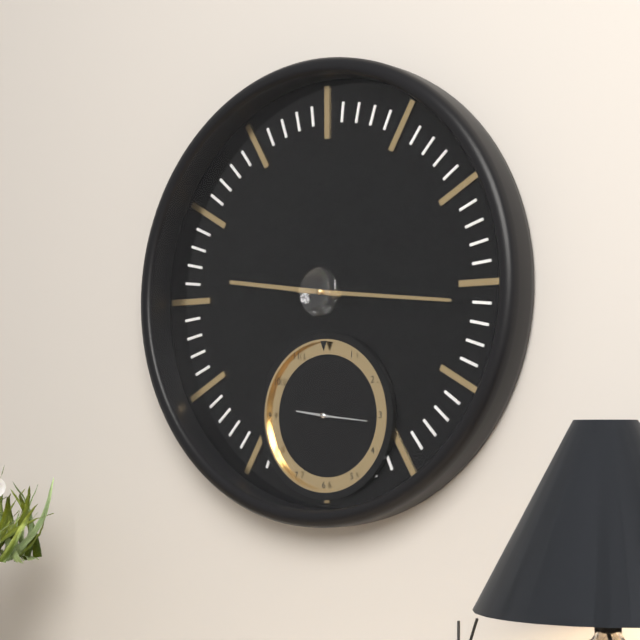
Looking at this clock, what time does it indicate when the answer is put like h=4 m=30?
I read h=9 m=16
